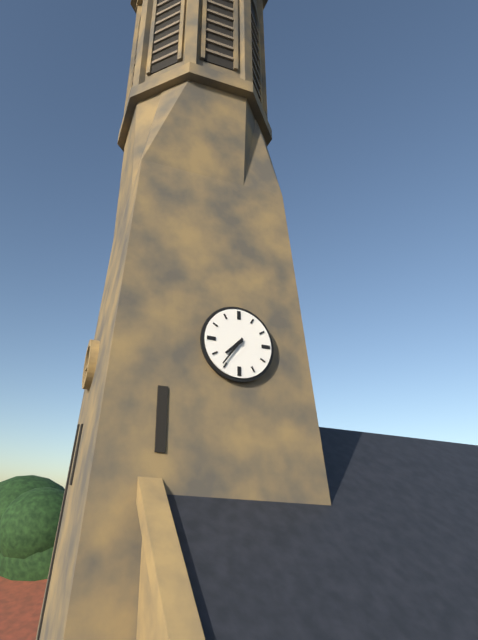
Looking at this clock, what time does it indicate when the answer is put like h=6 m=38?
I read h=7 m=36
